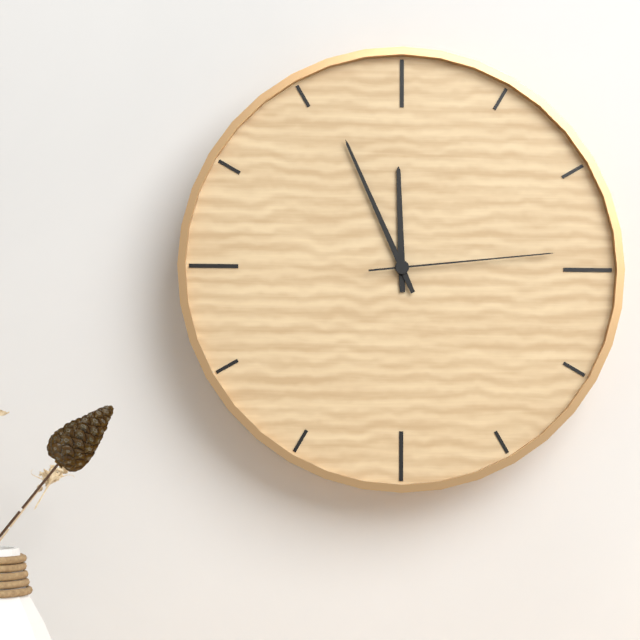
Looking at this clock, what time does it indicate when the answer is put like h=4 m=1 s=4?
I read h=11 m=56 s=14
